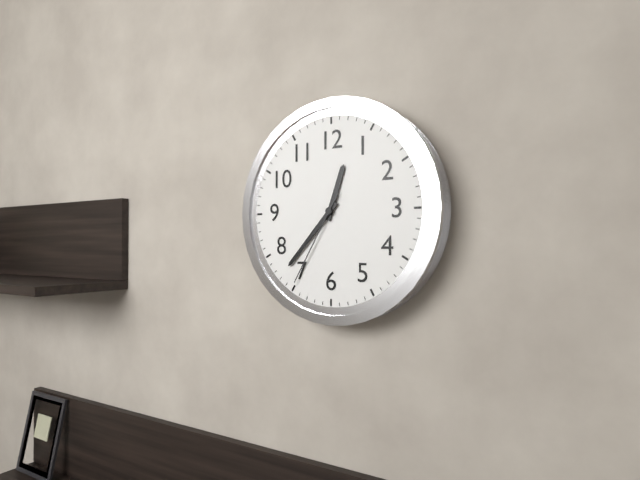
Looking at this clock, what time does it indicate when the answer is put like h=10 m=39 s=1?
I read h=12 m=37 s=35
